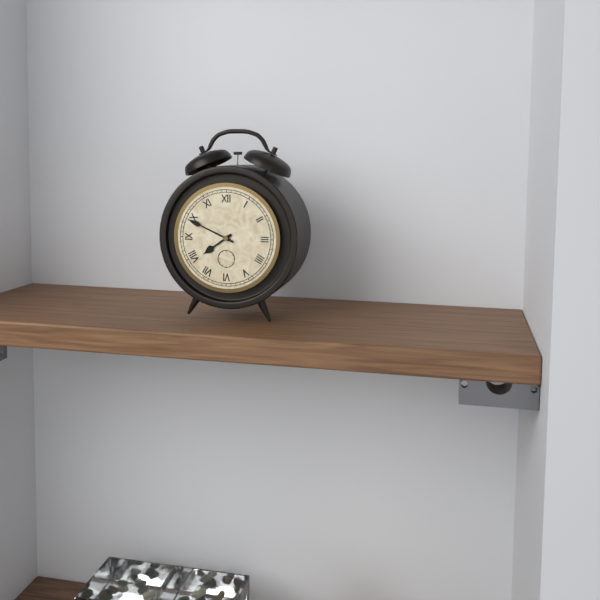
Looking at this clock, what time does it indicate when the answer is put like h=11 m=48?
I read h=7 m=49
